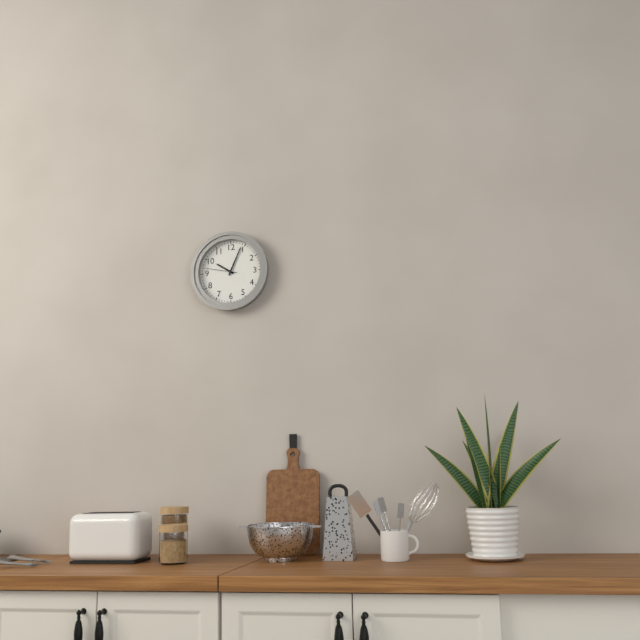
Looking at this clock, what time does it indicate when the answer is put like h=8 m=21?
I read h=10 m=4
